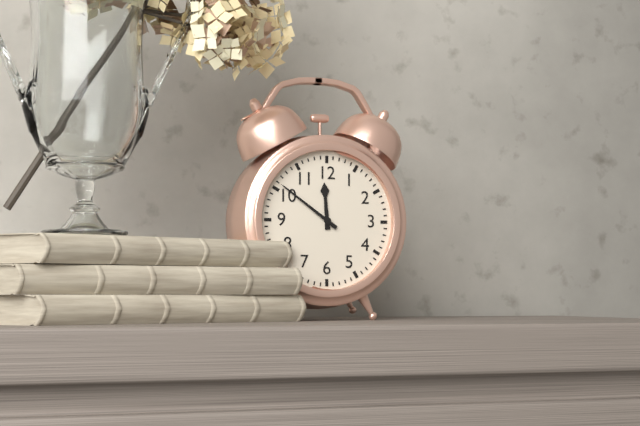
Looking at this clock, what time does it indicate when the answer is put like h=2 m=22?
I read h=11 m=51
